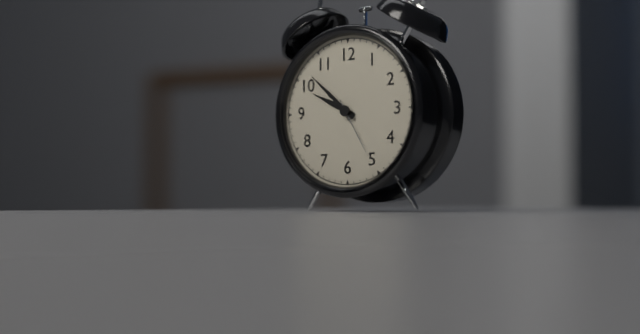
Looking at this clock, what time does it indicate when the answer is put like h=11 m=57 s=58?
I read h=9 m=52 s=25
